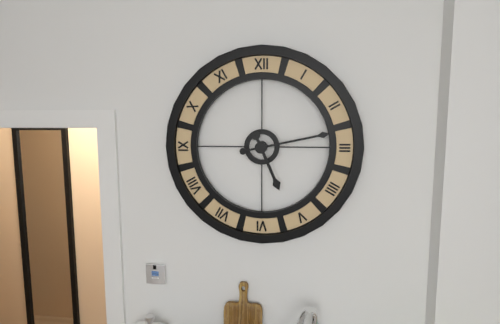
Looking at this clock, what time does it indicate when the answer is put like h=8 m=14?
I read h=5 m=13
